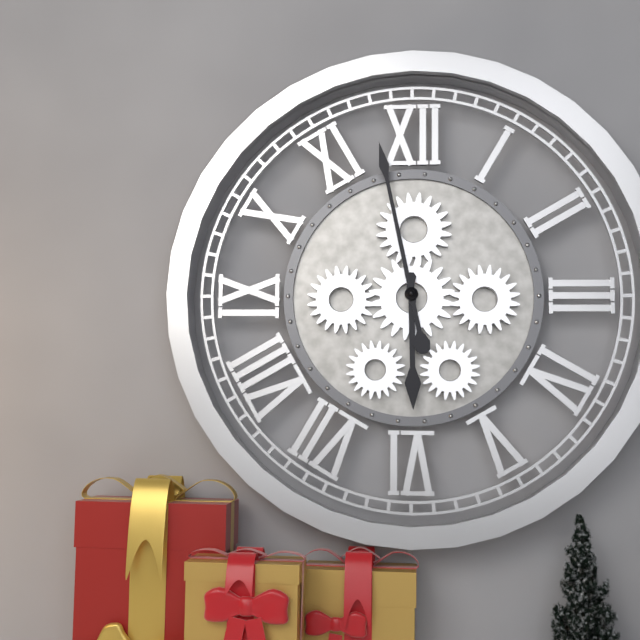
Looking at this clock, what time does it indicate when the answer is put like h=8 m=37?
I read h=5 m=58
